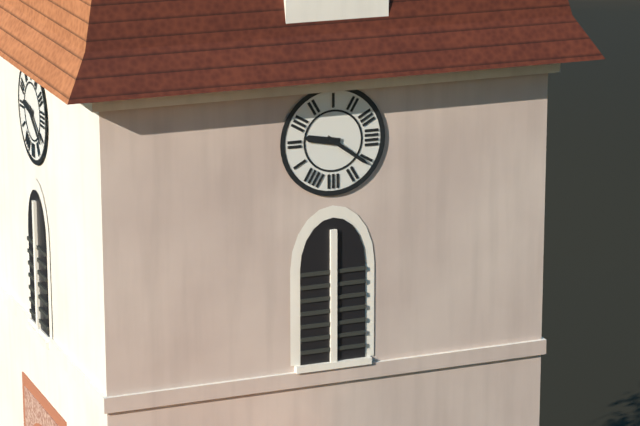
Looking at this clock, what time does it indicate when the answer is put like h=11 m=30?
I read h=9 m=21
